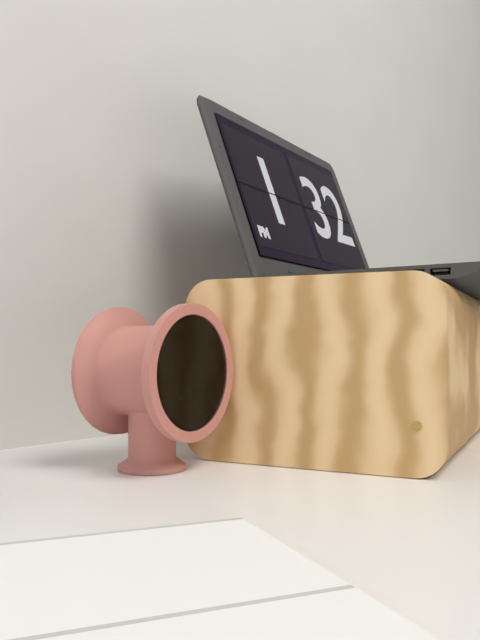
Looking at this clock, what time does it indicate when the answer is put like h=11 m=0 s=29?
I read h=11 m=48 s=3
